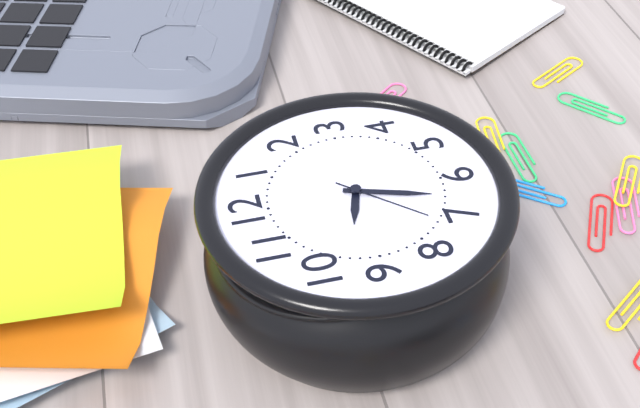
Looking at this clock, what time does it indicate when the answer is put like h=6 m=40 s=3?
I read h=9 m=33 s=37
